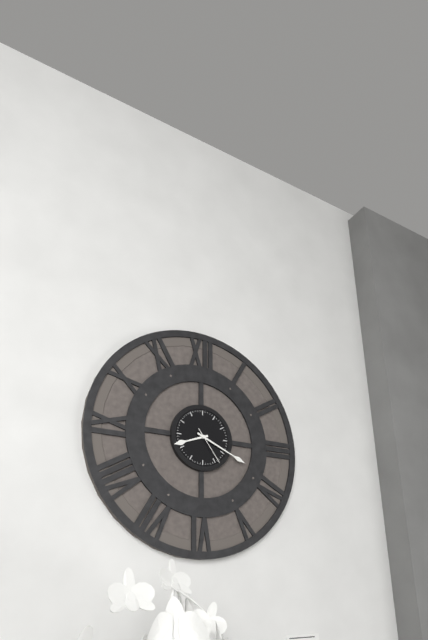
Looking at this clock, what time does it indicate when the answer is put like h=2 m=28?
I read h=8 m=19
